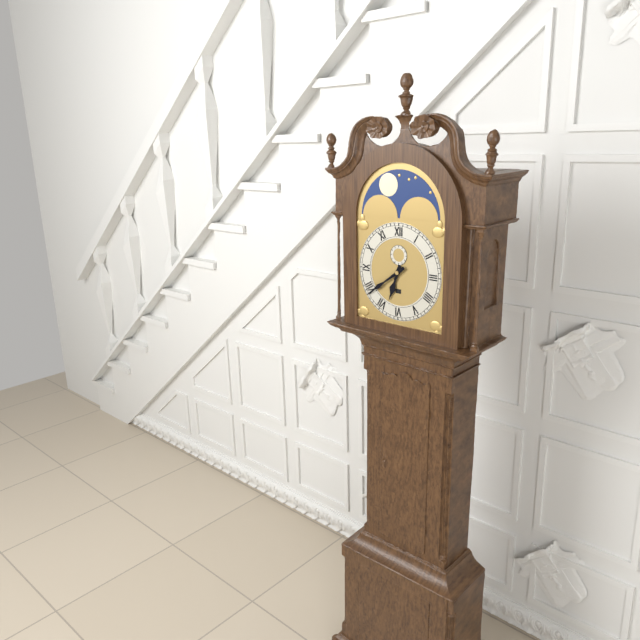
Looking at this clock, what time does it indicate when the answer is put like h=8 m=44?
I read h=6 m=39
